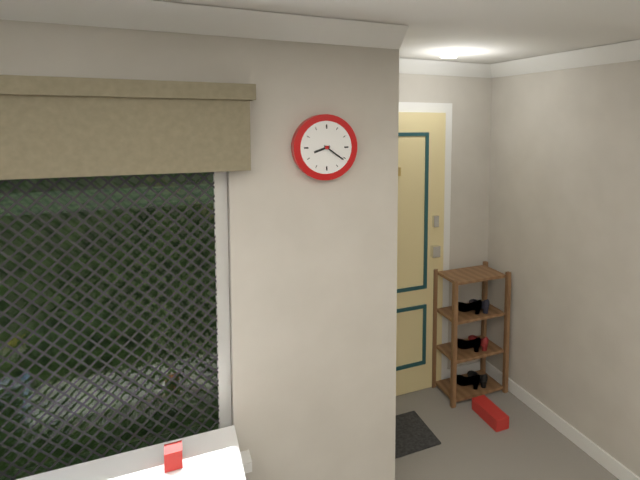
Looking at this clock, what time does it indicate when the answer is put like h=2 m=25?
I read h=8 m=21
